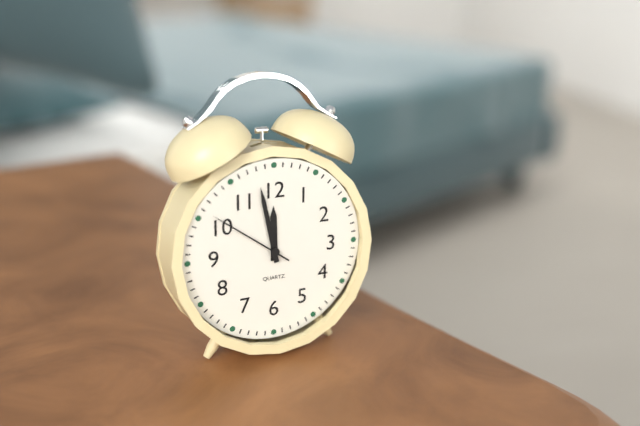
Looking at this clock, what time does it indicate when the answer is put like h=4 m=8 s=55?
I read h=11 m=58 s=51
